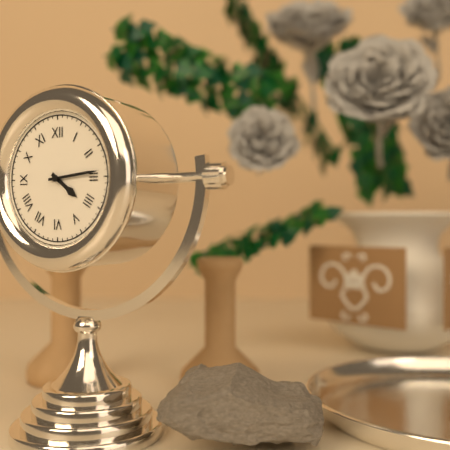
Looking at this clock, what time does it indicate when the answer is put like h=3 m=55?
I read h=4 m=14
